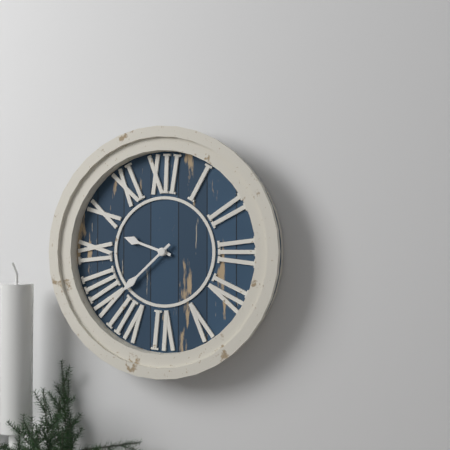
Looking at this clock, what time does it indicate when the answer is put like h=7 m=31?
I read h=9 m=38
